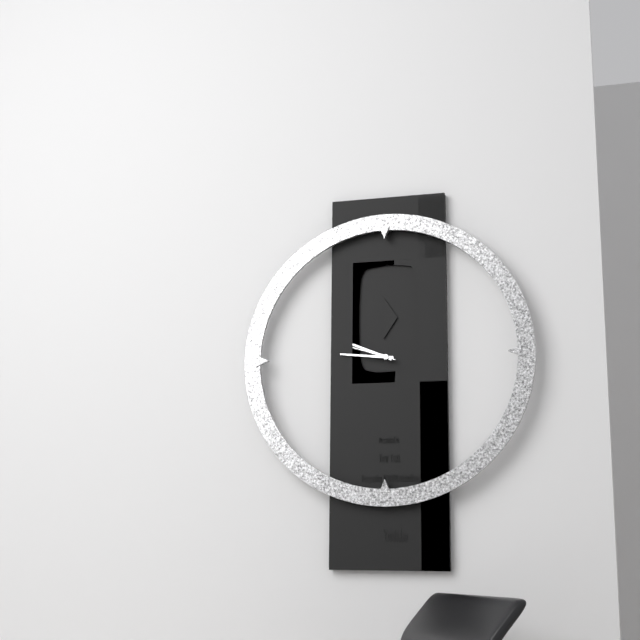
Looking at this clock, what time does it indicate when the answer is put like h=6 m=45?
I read h=9 m=46
